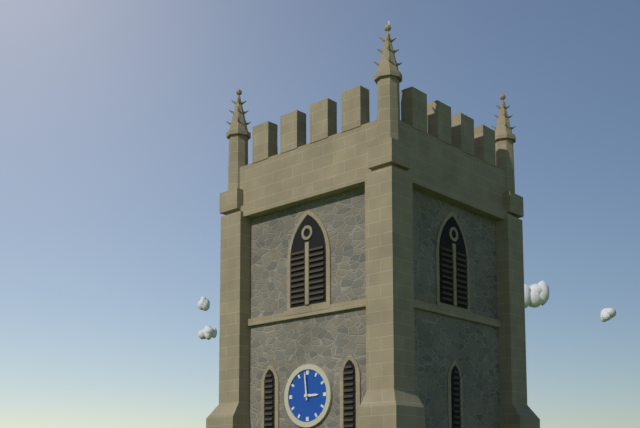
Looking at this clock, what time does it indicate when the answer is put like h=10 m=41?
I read h=2 m=59
